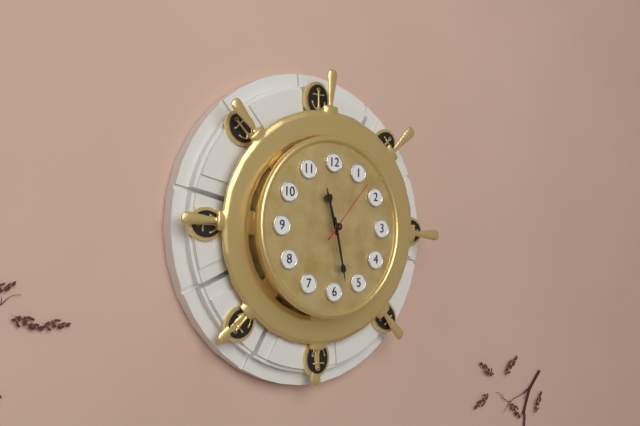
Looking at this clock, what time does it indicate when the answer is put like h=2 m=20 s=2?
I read h=11 m=28 s=7
